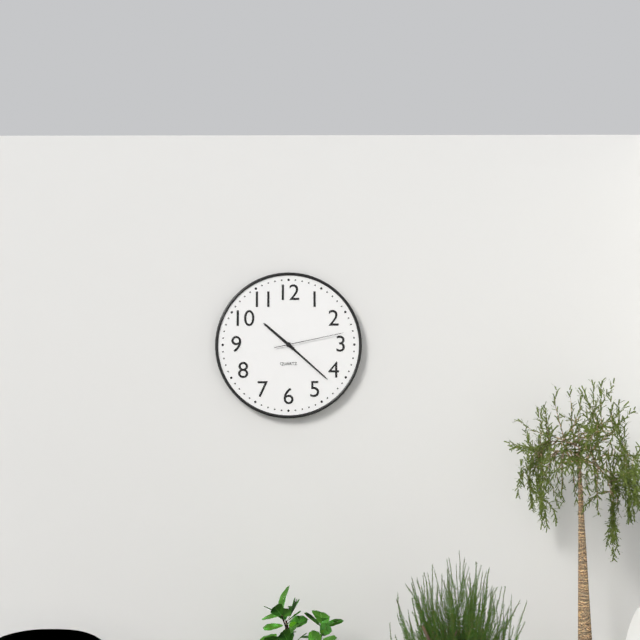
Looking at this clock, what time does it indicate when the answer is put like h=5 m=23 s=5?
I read h=10 m=22 s=13
